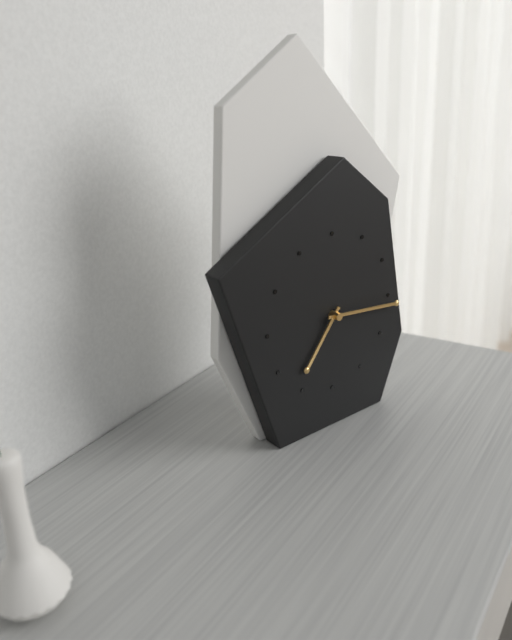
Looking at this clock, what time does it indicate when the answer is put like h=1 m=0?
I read h=7 m=16
